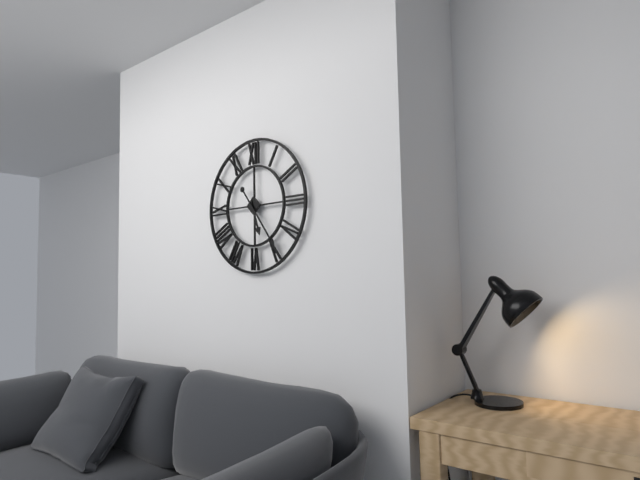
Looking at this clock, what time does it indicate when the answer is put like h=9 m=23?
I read h=5 m=24
